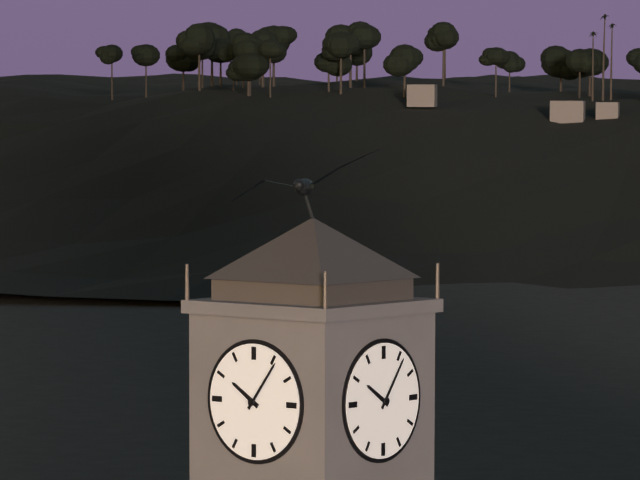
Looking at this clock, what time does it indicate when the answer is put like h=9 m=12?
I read h=10 m=6
